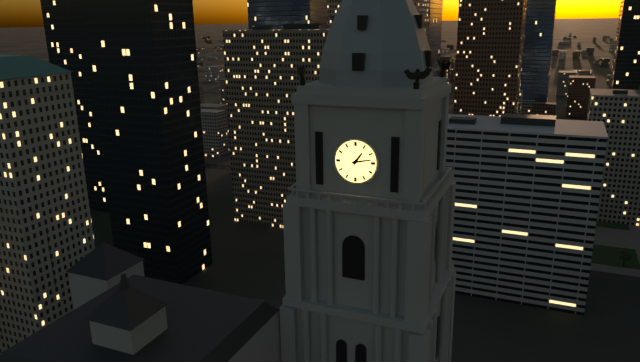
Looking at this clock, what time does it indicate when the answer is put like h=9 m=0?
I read h=1 m=13
